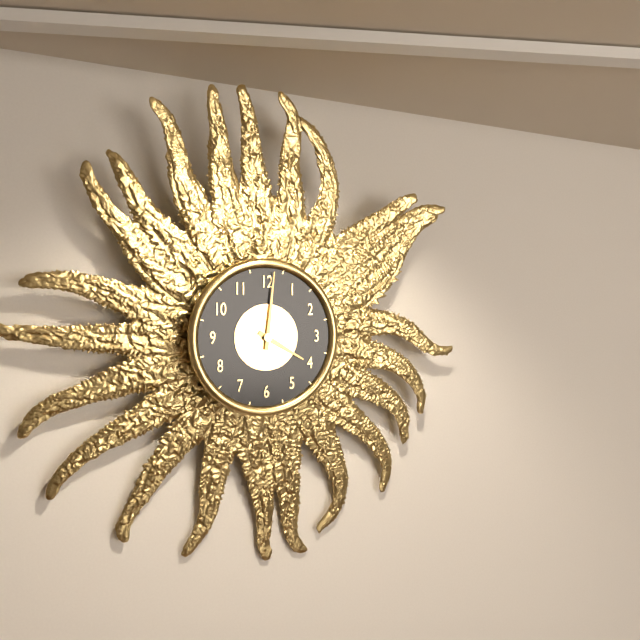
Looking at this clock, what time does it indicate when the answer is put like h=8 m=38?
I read h=4 m=1
